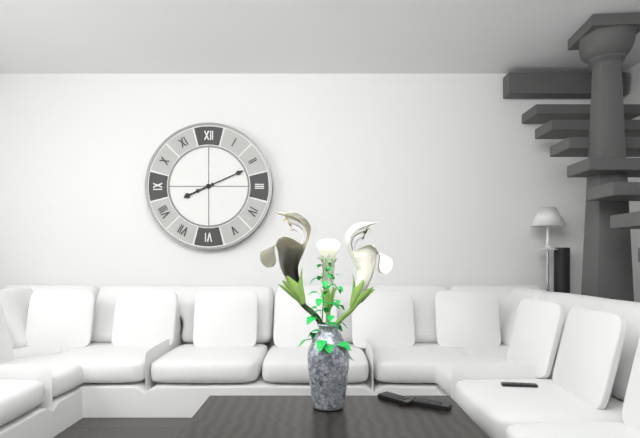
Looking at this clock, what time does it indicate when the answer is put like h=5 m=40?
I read h=8 m=11
